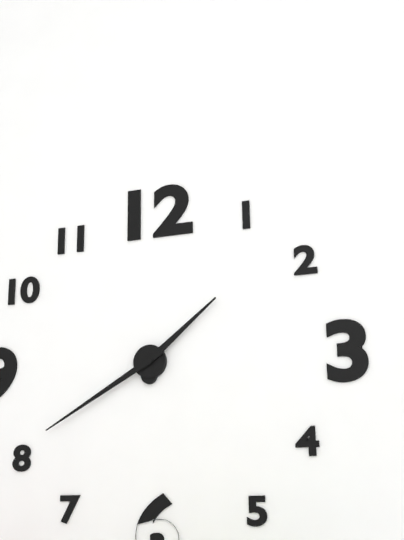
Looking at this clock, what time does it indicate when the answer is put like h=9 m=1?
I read h=1 m=40
